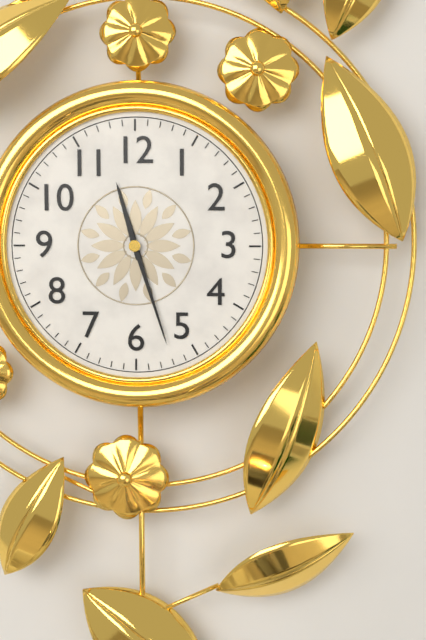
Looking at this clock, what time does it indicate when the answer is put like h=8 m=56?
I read h=11 m=27
